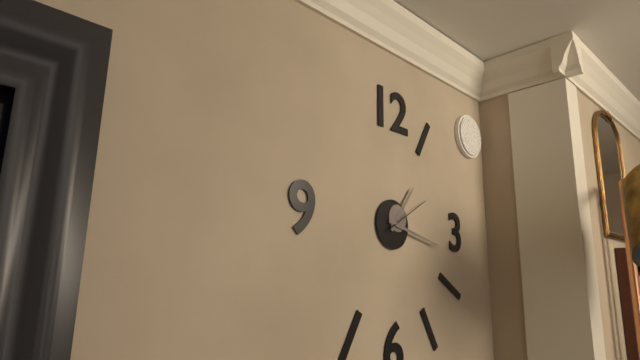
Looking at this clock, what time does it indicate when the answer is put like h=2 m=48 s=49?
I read h=1 m=17 s=10
